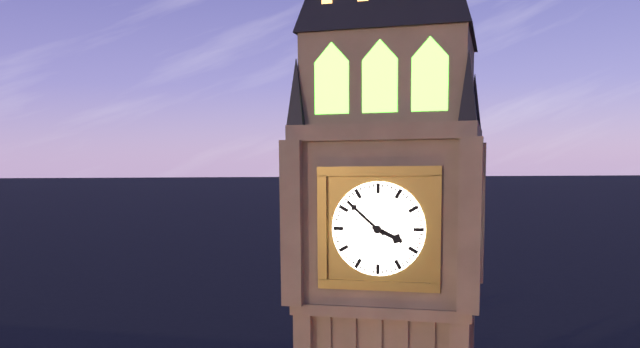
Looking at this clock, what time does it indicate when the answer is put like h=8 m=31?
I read h=3 m=52
